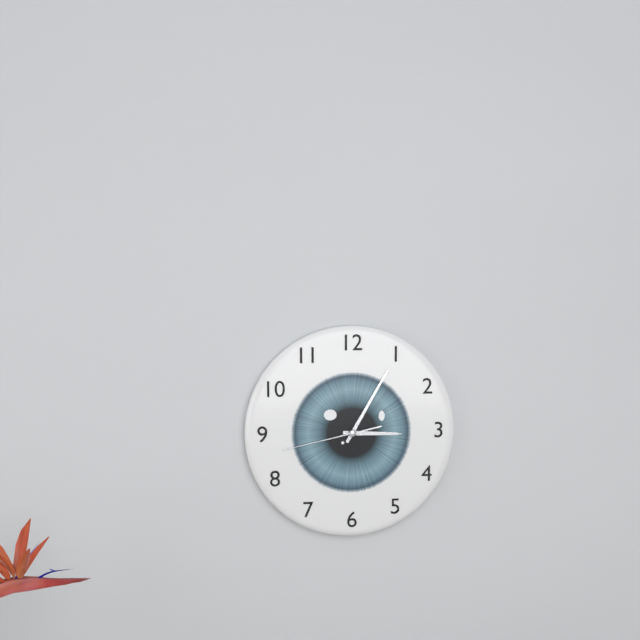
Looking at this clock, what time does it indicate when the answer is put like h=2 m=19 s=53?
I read h=3 m=5 s=43
